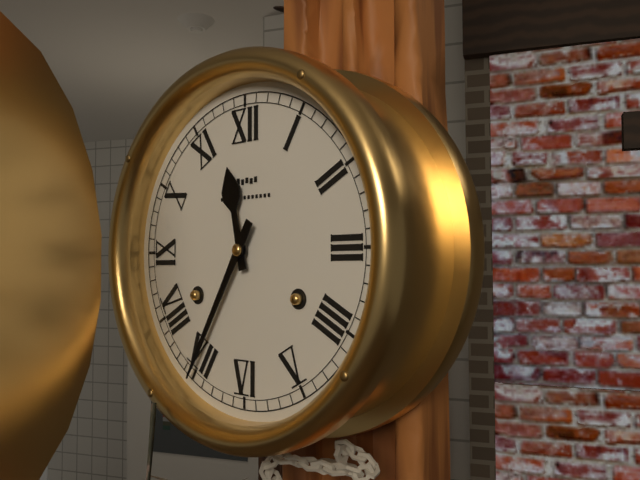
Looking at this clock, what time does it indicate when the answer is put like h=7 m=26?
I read h=11 m=35
